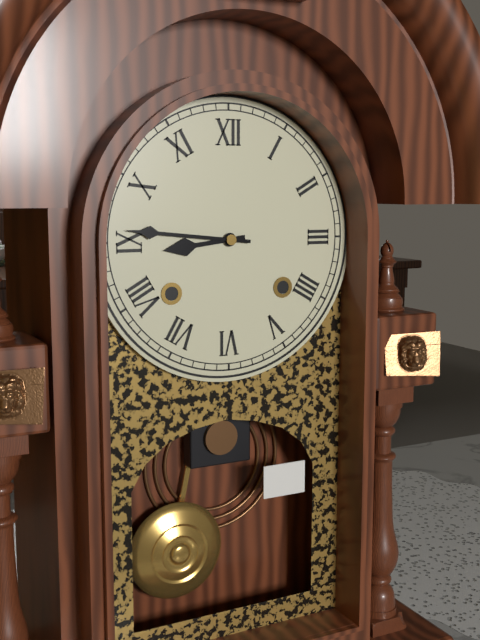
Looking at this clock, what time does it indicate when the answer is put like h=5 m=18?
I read h=8 m=46
